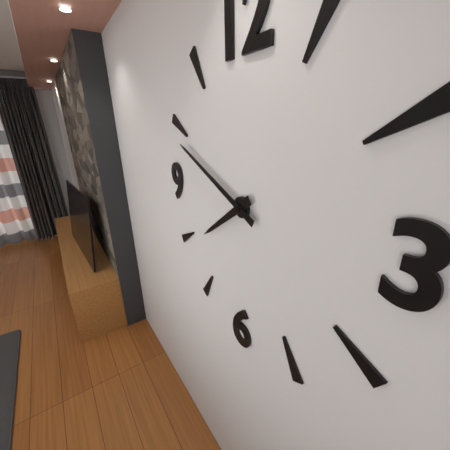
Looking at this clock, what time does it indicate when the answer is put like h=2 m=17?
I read h=7 m=49
